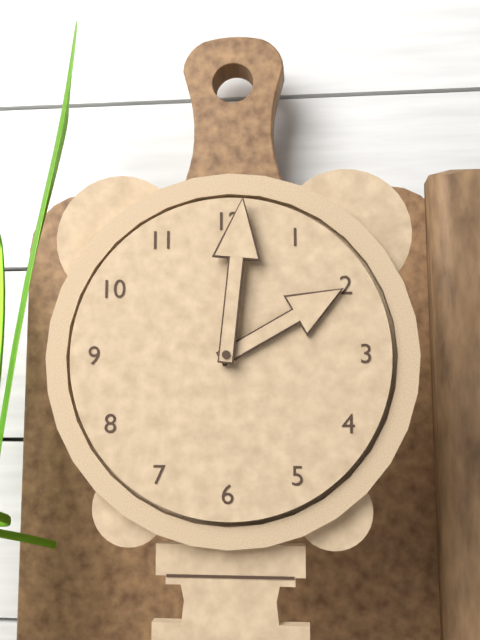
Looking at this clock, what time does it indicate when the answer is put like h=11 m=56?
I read h=2 m=1
